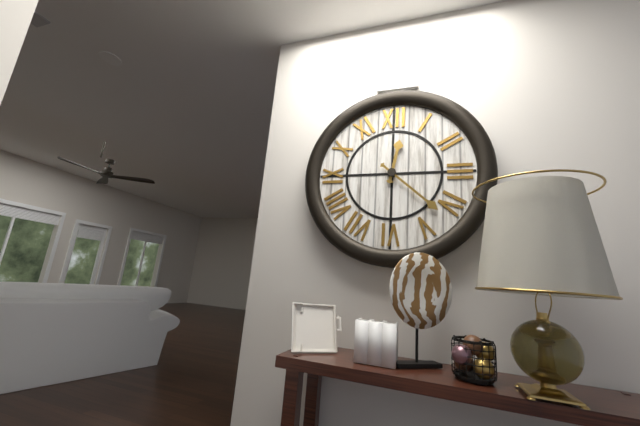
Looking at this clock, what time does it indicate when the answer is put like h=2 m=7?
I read h=12 m=22
